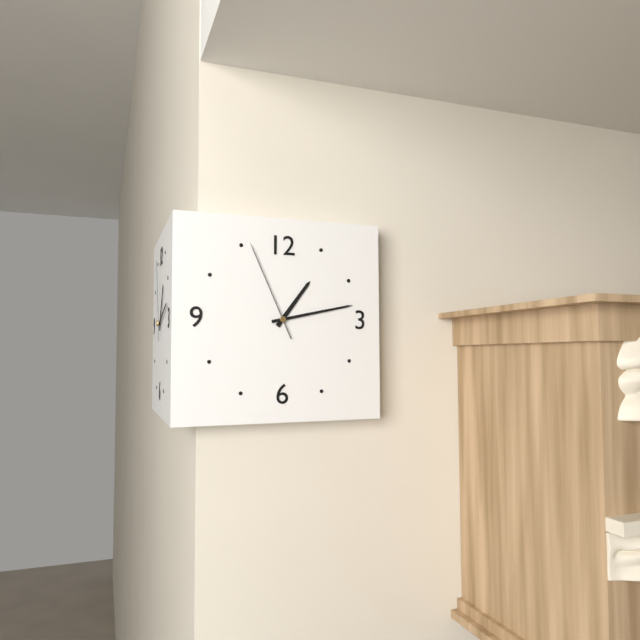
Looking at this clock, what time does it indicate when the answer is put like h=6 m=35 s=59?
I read h=1 m=13 s=56
